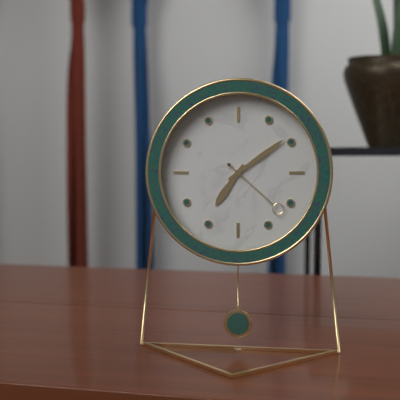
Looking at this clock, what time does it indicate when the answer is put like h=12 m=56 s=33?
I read h=7 m=9 s=22
